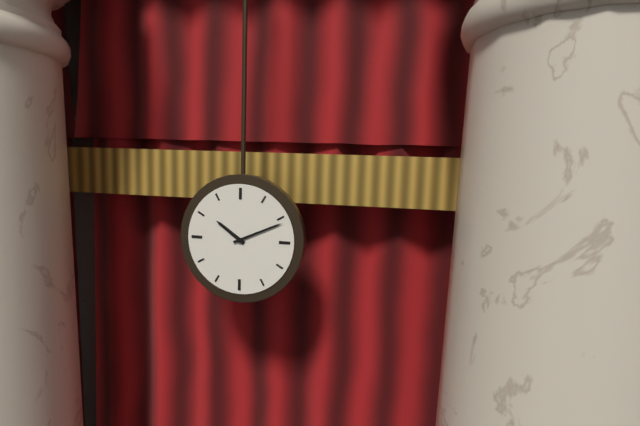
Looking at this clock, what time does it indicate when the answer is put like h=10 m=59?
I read h=10 m=11
